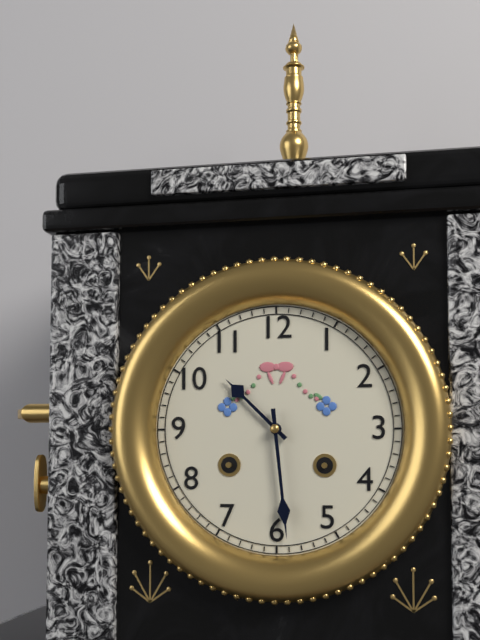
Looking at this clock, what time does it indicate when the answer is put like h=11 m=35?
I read h=10 m=29
